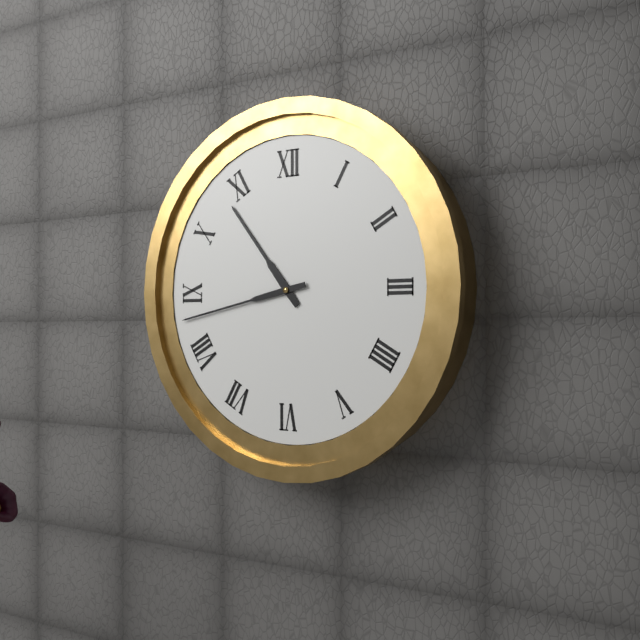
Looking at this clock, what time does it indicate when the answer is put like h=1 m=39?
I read h=10 m=43
